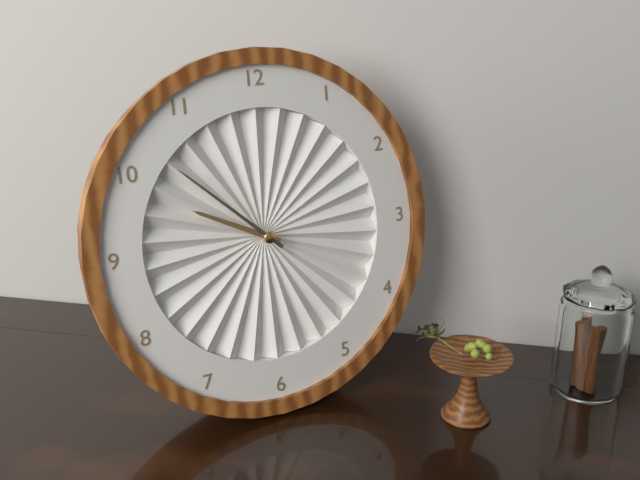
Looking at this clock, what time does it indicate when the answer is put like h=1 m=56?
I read h=9 m=52
